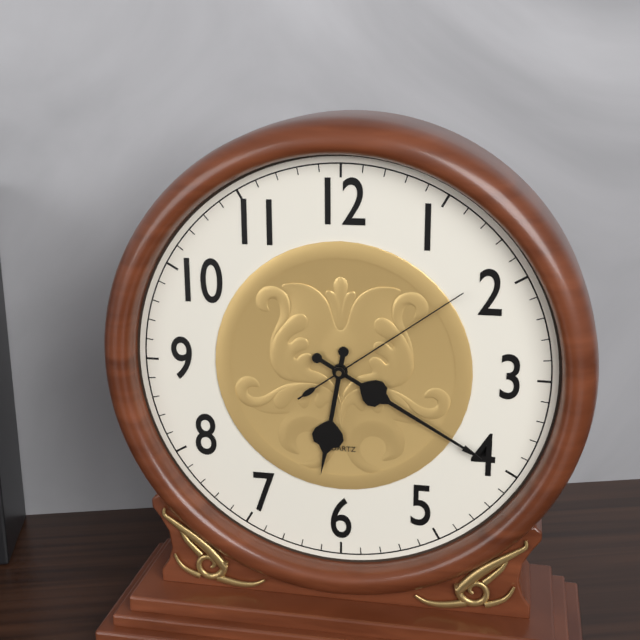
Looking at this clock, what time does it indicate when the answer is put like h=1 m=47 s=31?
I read h=6 m=20 s=9
